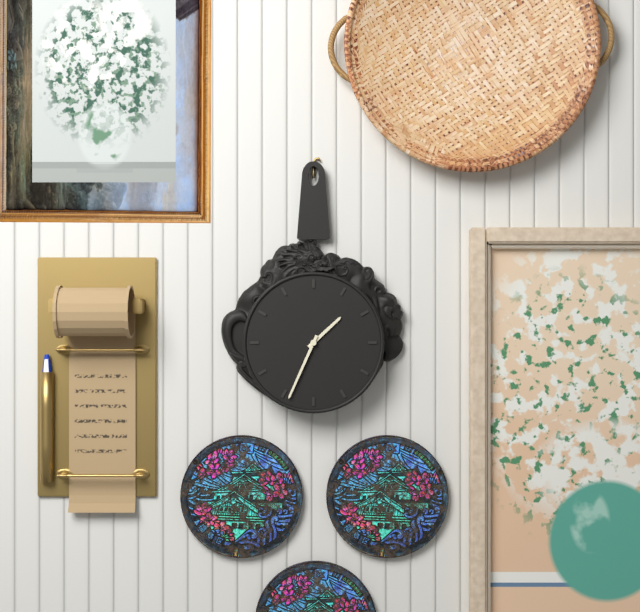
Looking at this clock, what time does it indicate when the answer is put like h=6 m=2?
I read h=1 m=34
